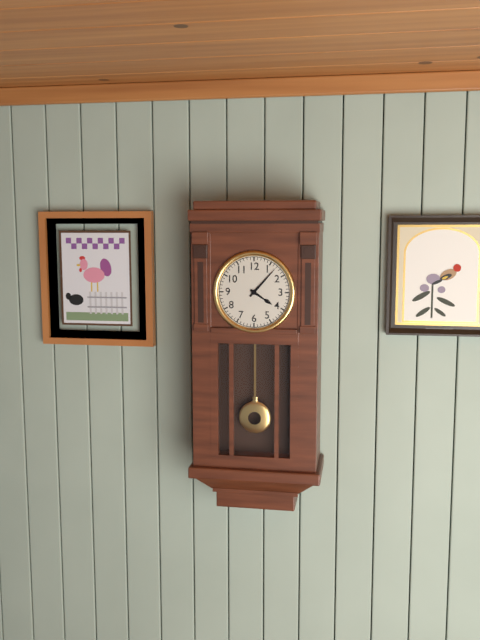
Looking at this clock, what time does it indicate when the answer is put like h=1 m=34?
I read h=4 m=7
